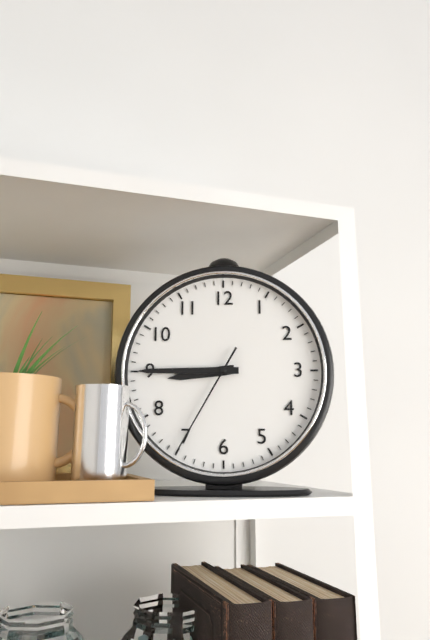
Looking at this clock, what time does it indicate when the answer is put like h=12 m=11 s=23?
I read h=8 m=45 s=35
